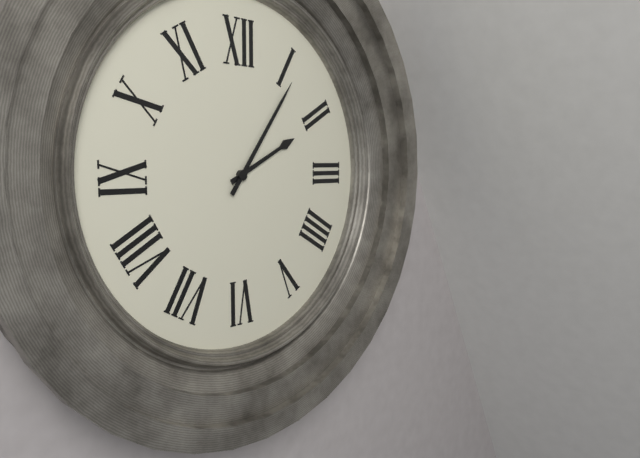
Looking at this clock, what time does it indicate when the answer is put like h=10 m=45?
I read h=2 m=6
